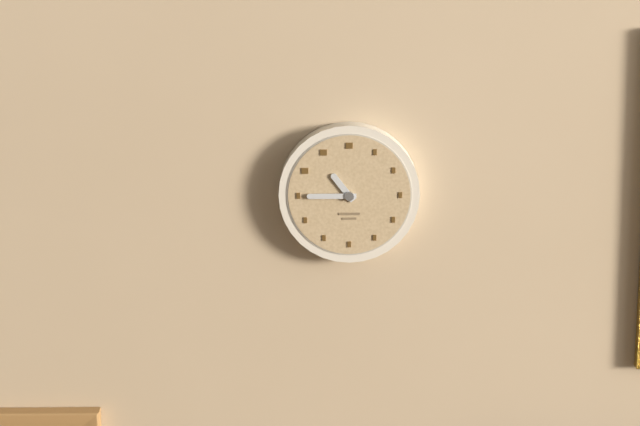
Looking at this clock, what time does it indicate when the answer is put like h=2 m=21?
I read h=10 m=45
